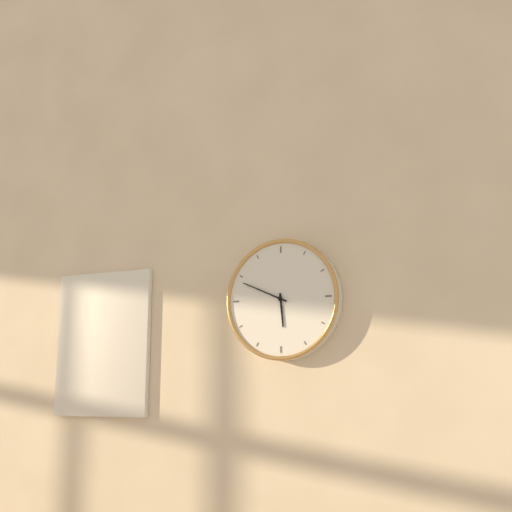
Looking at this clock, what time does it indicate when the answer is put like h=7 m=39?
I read h=5 m=49
